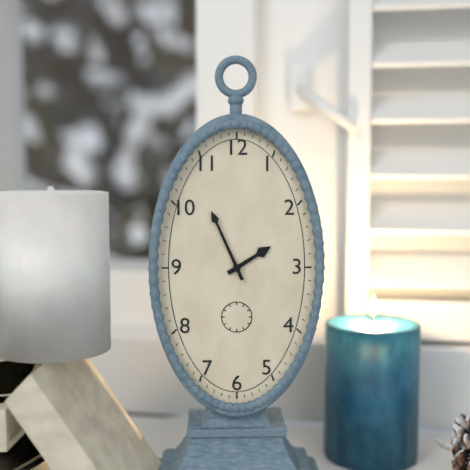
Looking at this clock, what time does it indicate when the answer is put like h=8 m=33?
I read h=1 m=56
